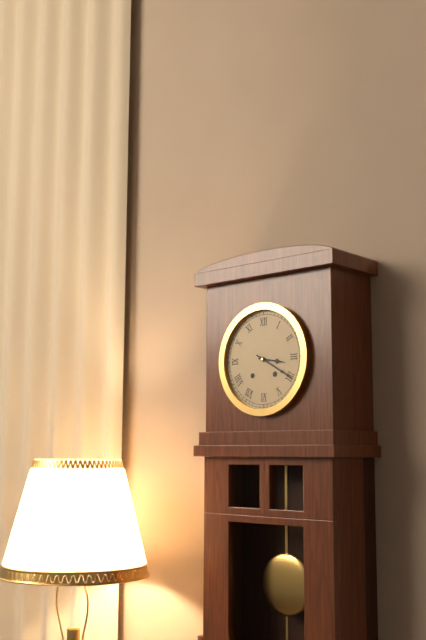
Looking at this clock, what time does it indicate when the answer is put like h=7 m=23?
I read h=3 m=20
